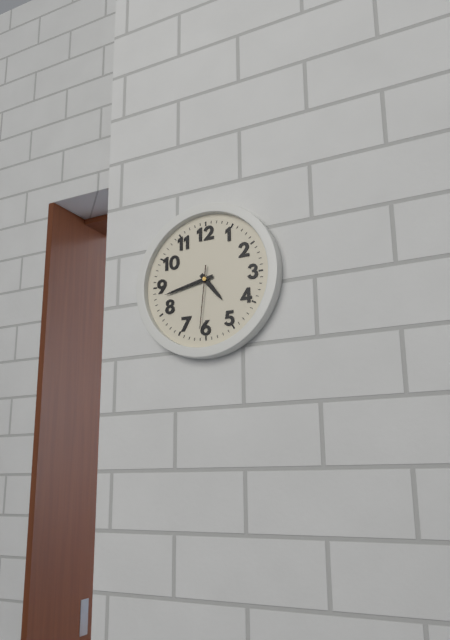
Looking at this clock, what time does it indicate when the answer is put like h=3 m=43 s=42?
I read h=4 m=43 s=31
